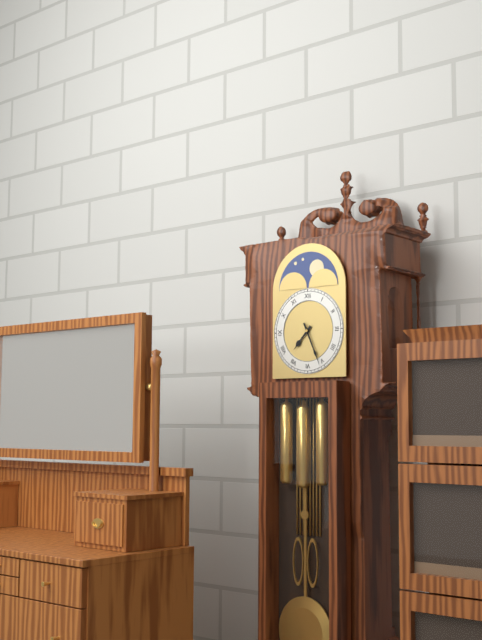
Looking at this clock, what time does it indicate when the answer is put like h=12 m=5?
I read h=7 m=26
